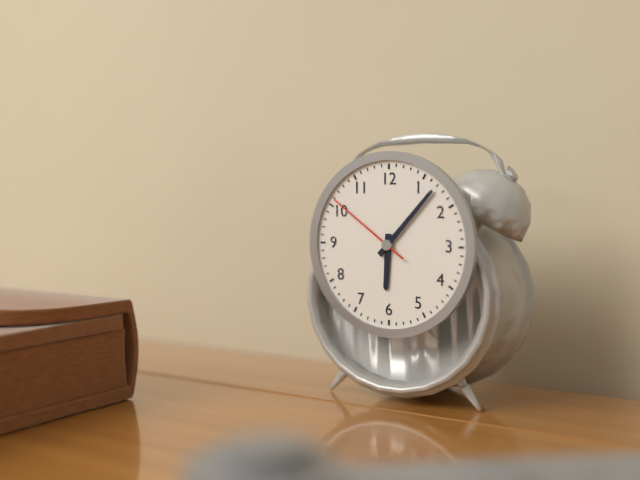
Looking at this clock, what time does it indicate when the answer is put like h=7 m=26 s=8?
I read h=6 m=7 s=51
